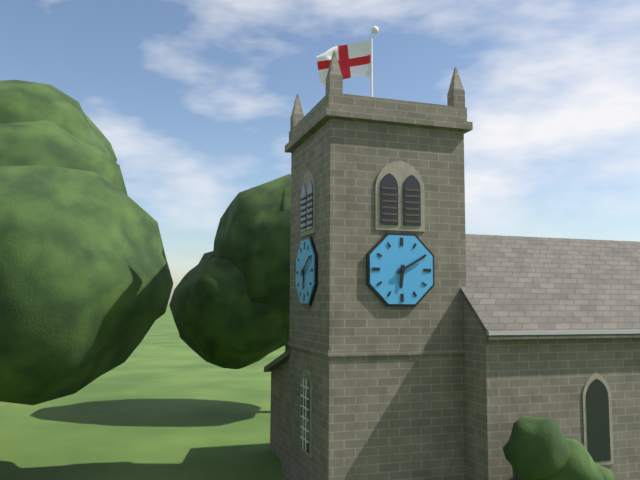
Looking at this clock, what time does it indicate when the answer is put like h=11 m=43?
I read h=6 m=10
